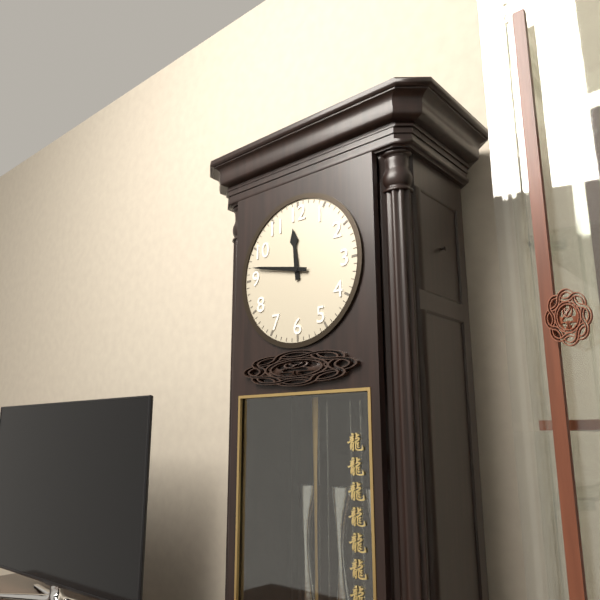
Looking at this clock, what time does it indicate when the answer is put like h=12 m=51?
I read h=11 m=47
